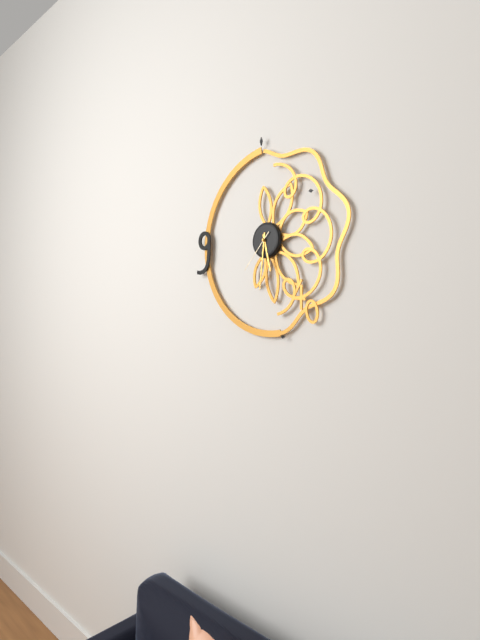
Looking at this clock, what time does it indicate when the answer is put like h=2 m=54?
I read h=5 m=31
